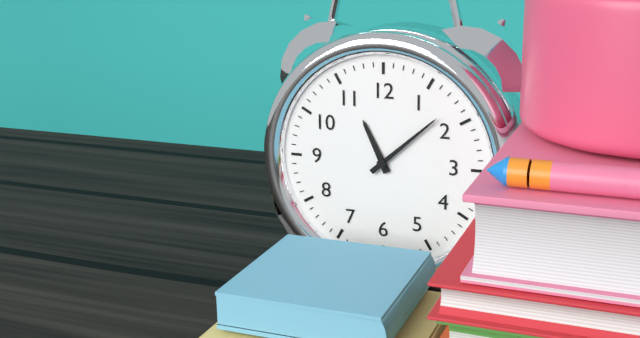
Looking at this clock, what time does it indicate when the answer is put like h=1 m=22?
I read h=11 m=8
